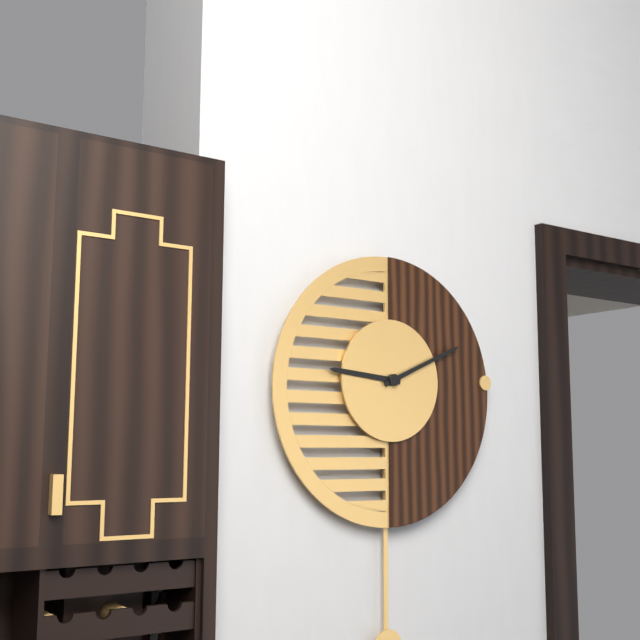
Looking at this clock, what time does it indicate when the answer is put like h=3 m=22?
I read h=9 m=11
